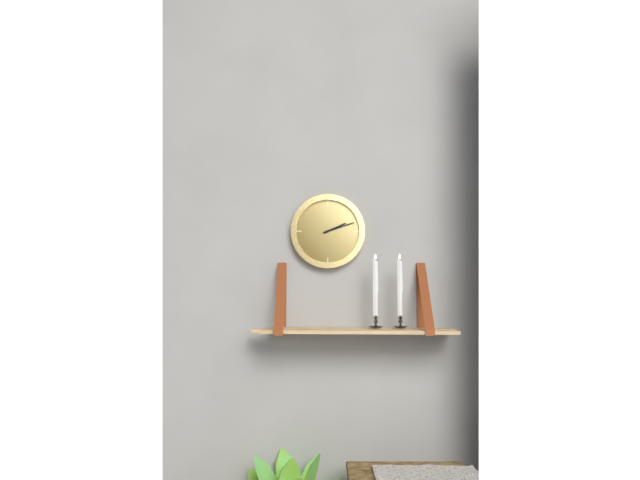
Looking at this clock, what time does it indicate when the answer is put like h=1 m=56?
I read h=2 m=12
